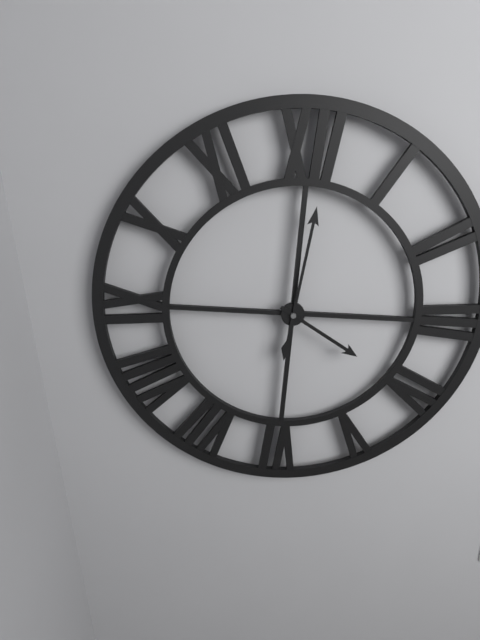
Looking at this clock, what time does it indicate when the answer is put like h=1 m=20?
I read h=4 m=1
